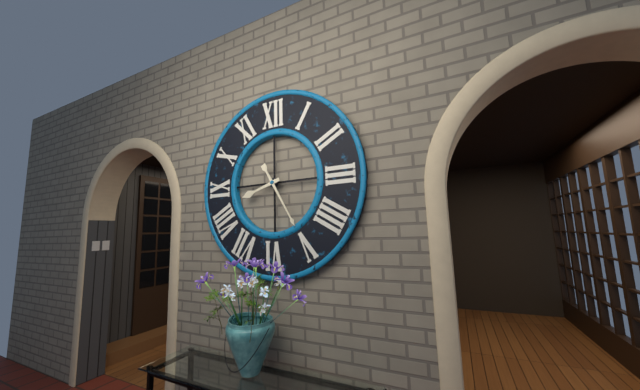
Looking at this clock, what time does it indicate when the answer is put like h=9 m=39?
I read h=8 m=25
